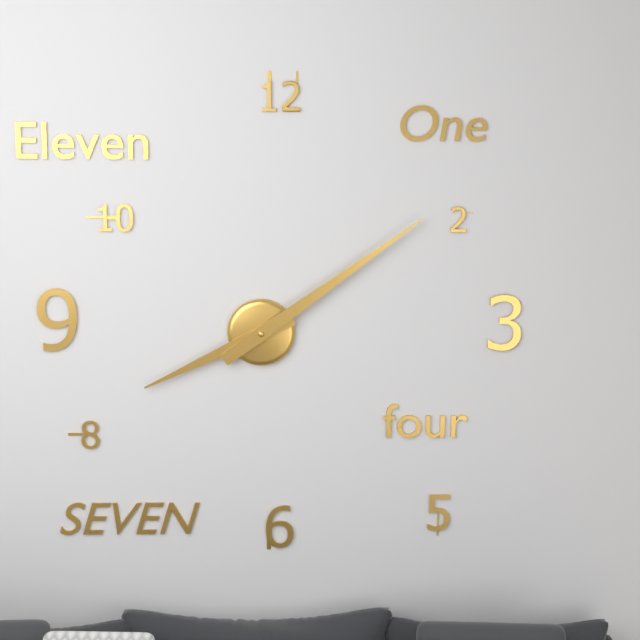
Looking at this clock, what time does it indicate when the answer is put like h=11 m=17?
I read h=8 m=9
